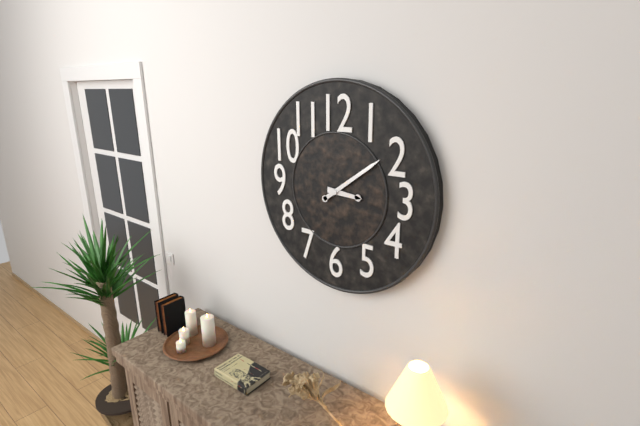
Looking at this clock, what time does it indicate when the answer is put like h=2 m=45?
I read h=3 m=9
